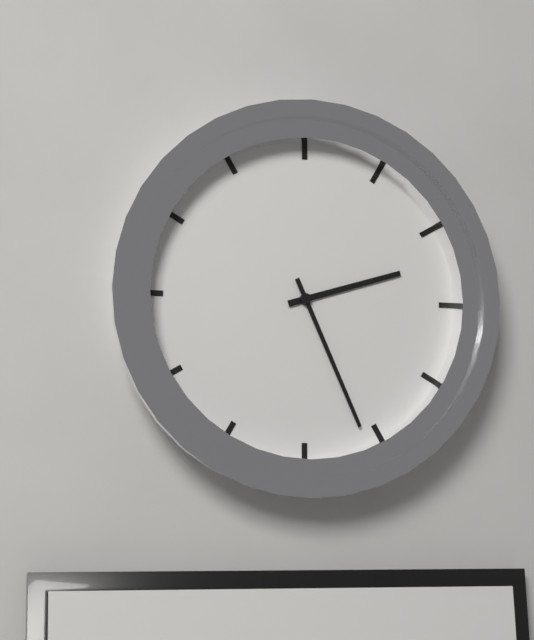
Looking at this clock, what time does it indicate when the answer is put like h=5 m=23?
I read h=2 m=26
